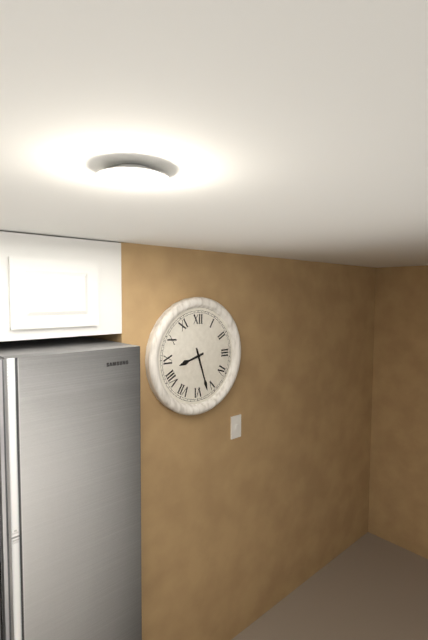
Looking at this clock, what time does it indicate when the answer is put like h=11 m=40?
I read h=8 m=27
